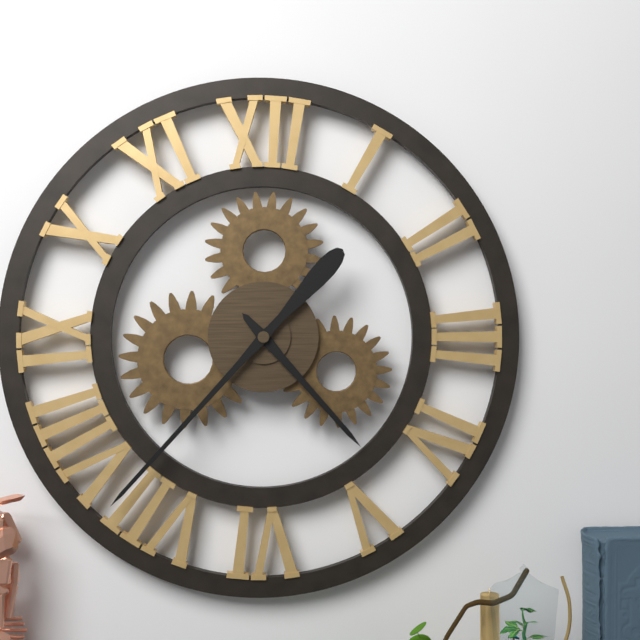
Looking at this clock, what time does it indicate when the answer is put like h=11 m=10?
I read h=4 m=37
